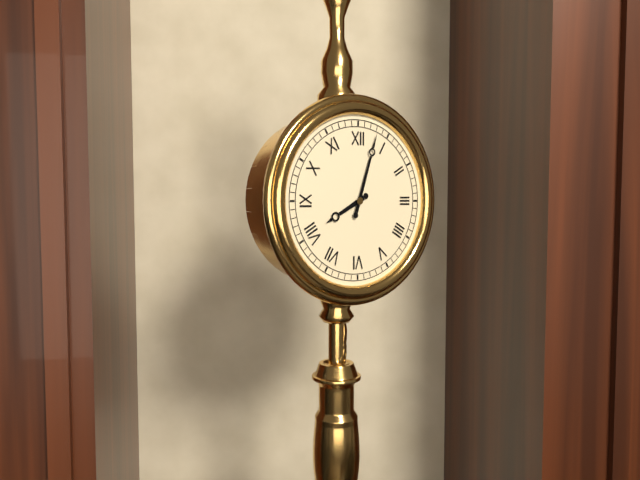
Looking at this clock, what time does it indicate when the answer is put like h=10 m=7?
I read h=8 m=3
